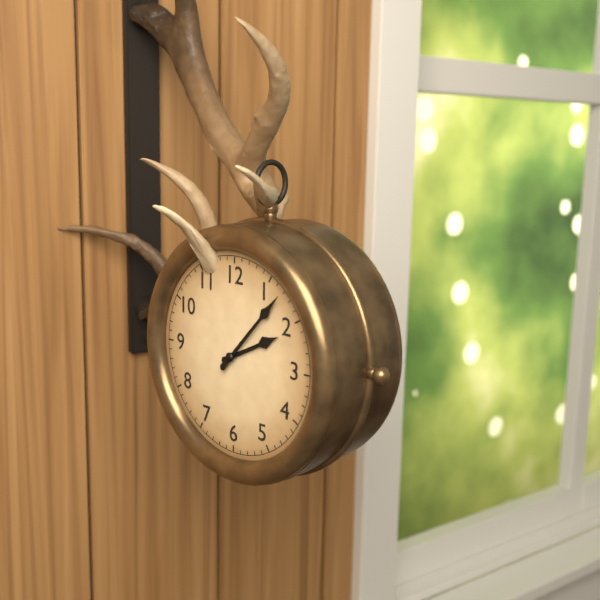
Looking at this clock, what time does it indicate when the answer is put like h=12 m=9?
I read h=2 m=7
